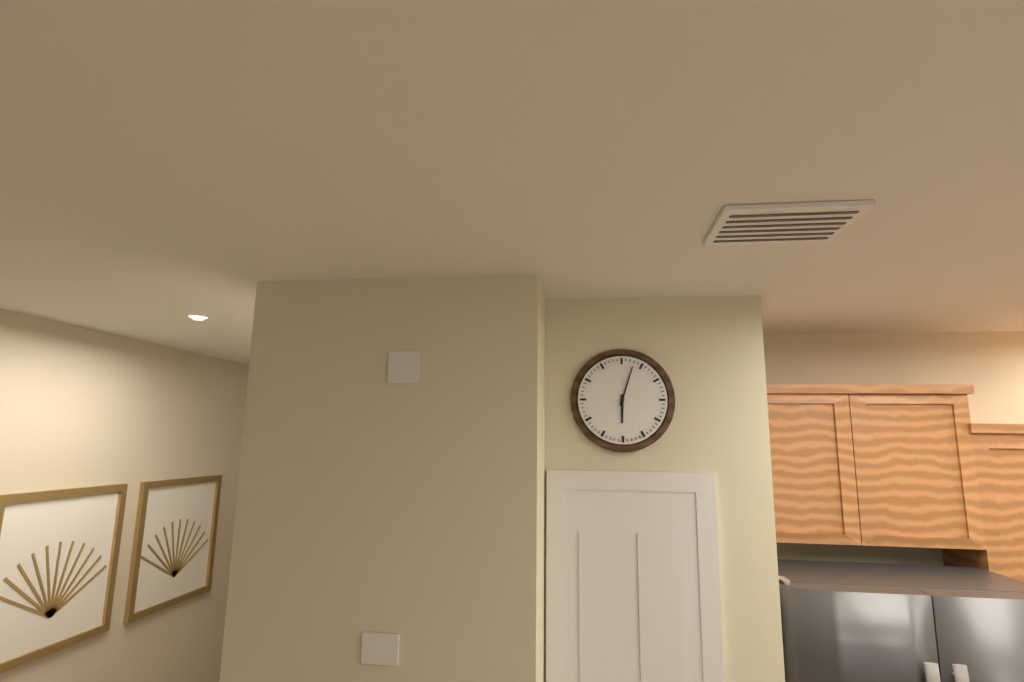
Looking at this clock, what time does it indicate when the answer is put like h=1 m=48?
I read h=6 m=3
